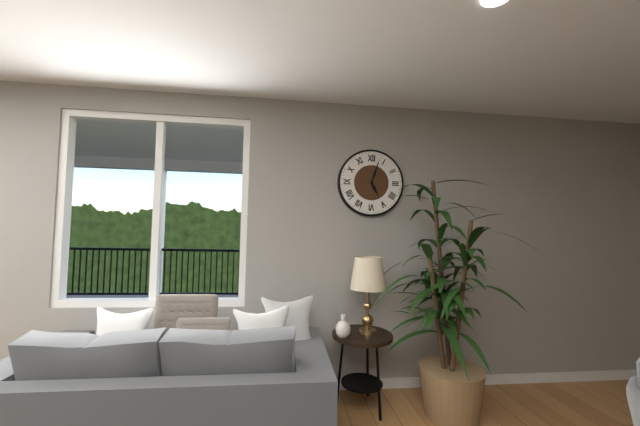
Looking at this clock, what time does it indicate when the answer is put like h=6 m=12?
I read h=5 m=3
